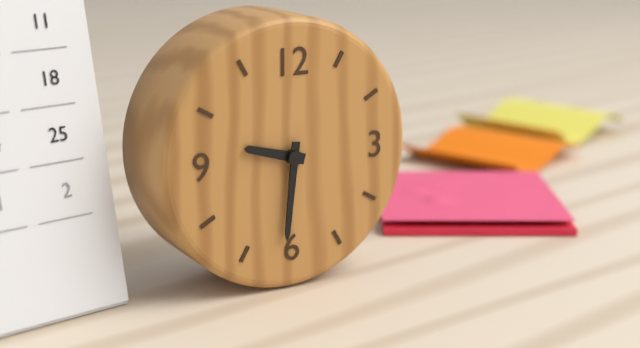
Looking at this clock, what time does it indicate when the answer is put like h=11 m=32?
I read h=9 m=31
